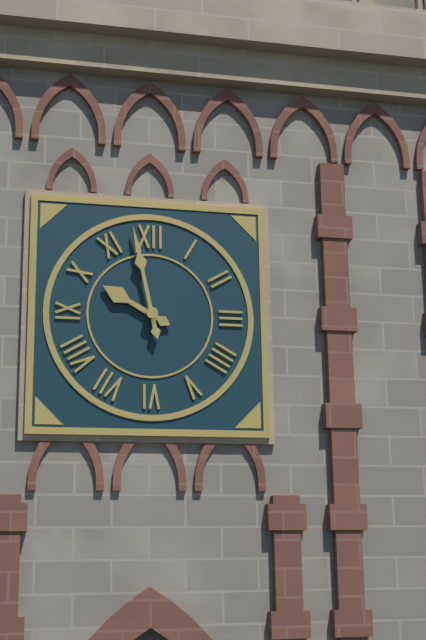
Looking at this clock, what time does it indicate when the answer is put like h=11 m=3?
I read h=9 m=58
